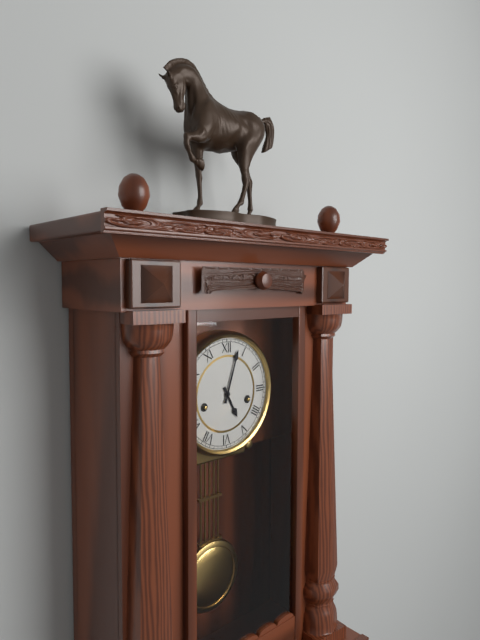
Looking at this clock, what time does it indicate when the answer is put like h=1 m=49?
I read h=5 m=3
